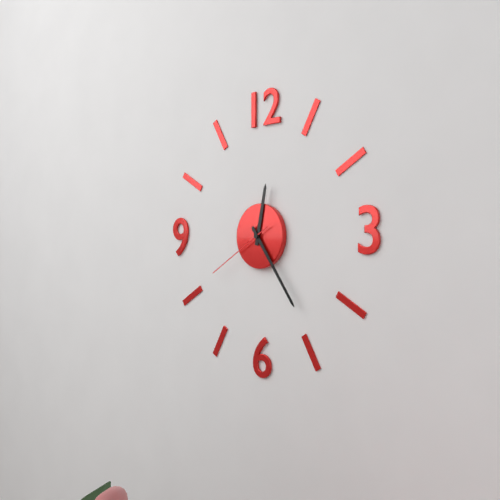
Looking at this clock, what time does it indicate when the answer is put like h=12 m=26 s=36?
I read h=12 m=24 s=40
